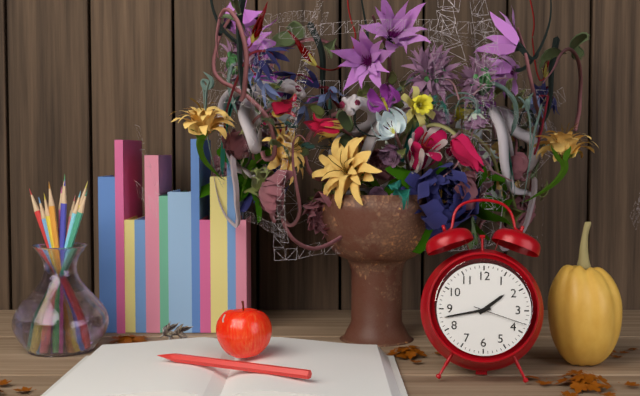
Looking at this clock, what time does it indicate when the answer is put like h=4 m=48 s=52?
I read h=1 m=43 s=18
